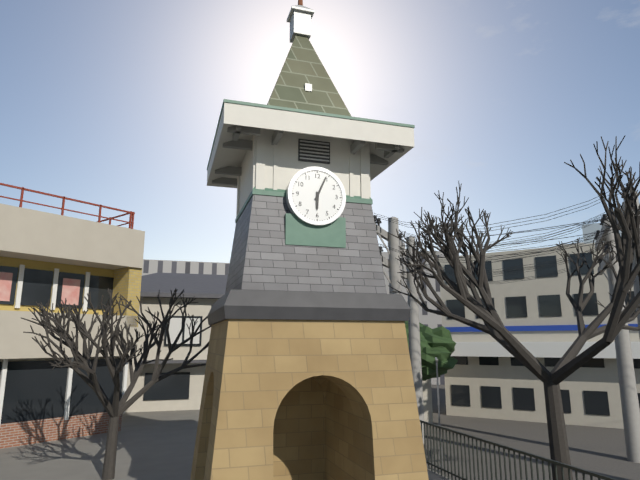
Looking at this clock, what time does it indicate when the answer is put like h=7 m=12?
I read h=6 m=4
